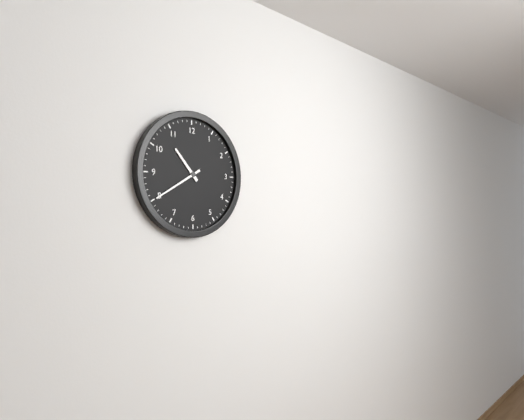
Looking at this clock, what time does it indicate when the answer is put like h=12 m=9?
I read h=10 m=40
